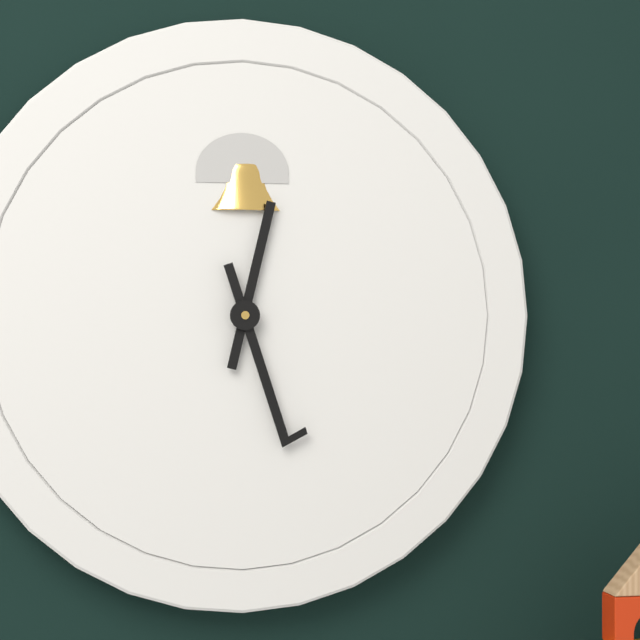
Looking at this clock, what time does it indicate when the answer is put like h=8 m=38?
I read h=12 m=27
